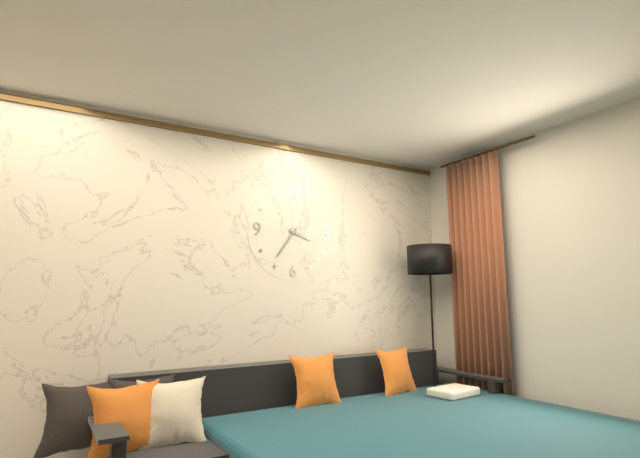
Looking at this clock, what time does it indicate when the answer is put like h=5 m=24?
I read h=3 m=36
